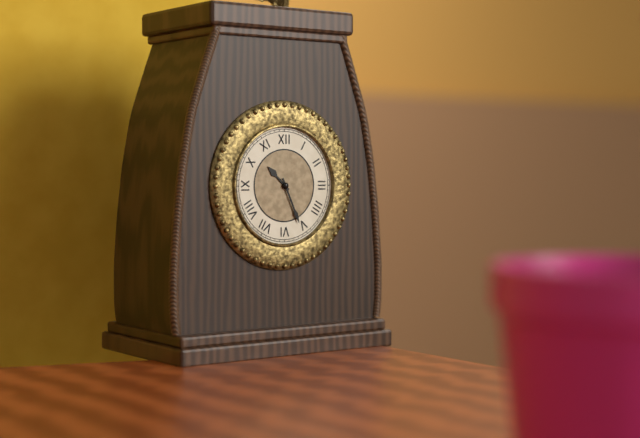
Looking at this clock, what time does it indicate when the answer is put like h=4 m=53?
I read h=10 m=26
